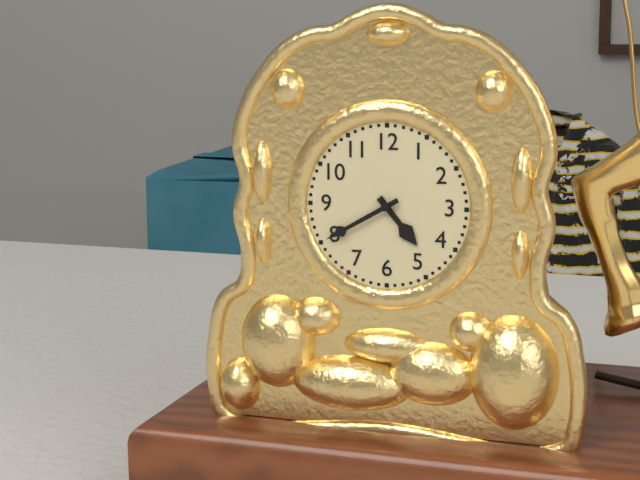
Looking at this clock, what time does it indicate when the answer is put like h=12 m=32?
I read h=4 m=40
